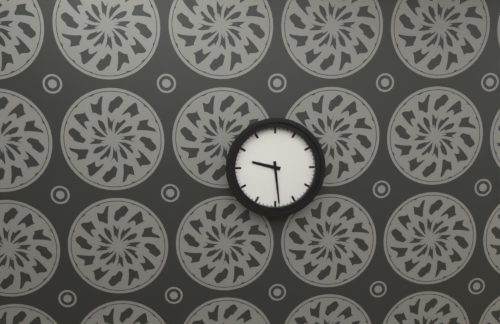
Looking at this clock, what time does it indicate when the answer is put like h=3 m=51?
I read h=9 m=29
